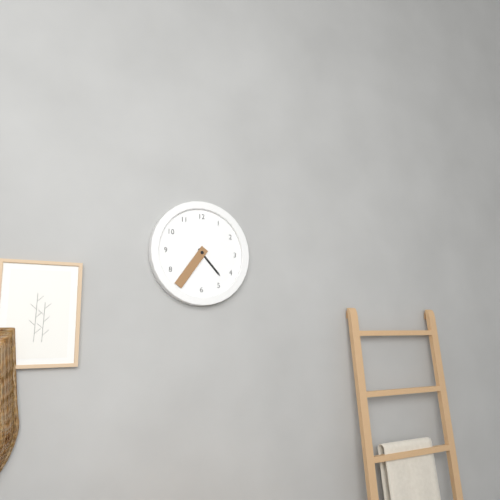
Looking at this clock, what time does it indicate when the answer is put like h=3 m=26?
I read h=4 m=36
